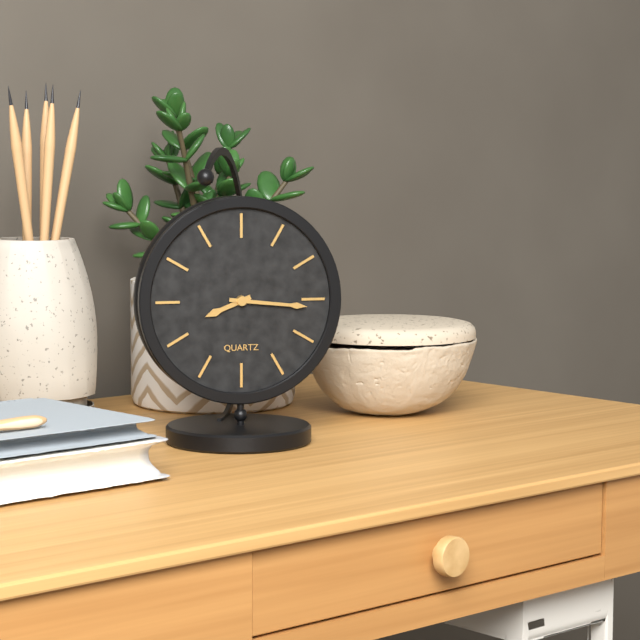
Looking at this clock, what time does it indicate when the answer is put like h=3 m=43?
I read h=8 m=16
